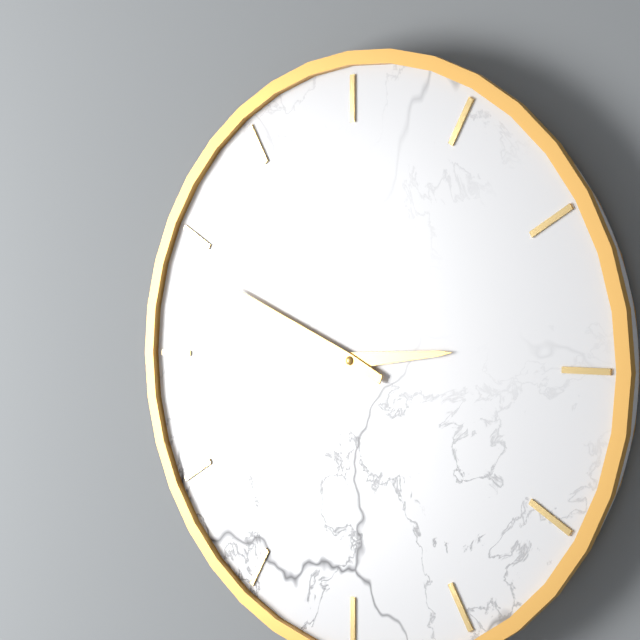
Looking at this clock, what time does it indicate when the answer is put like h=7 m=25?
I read h=2 m=49
